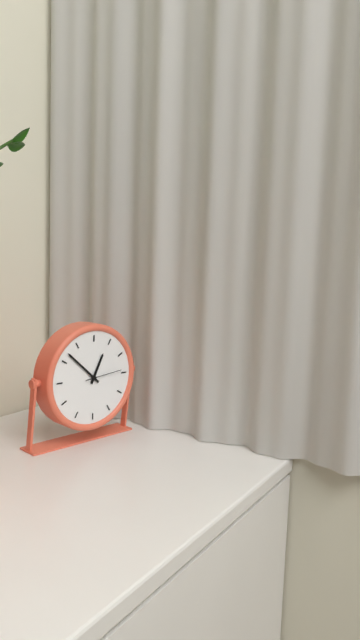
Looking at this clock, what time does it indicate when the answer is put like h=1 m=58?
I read h=12 m=52
